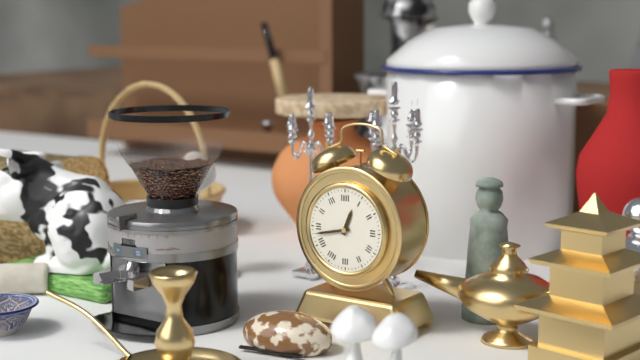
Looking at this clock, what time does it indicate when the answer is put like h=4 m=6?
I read h=12 m=43
